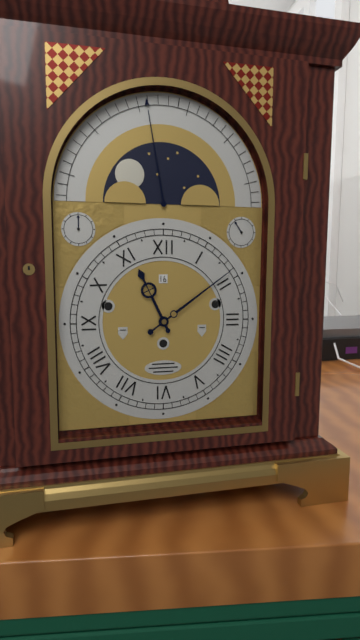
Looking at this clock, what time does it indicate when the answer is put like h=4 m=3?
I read h=11 m=9
